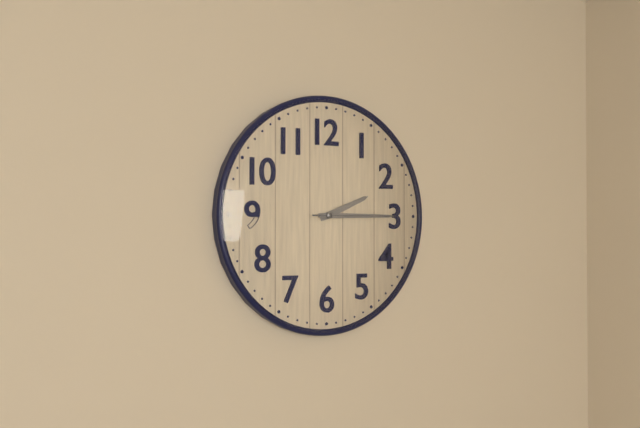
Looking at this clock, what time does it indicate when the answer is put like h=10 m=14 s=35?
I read h=2 m=15 s=15
